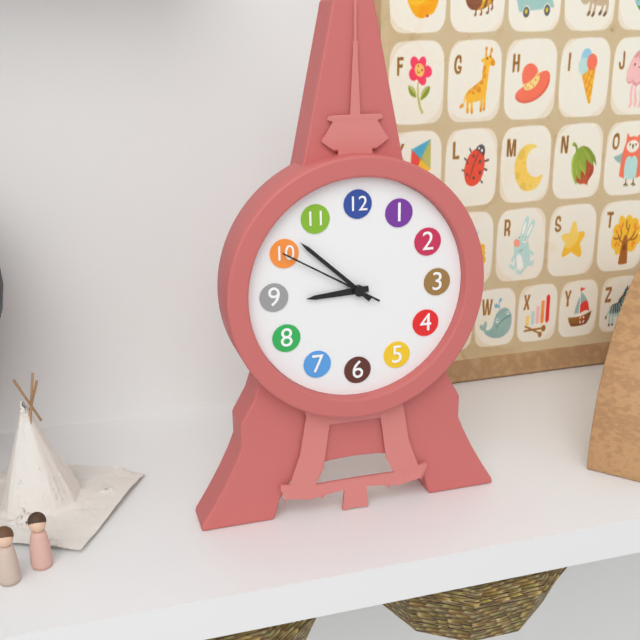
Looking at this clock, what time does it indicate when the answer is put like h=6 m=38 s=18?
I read h=8 m=52 s=50
